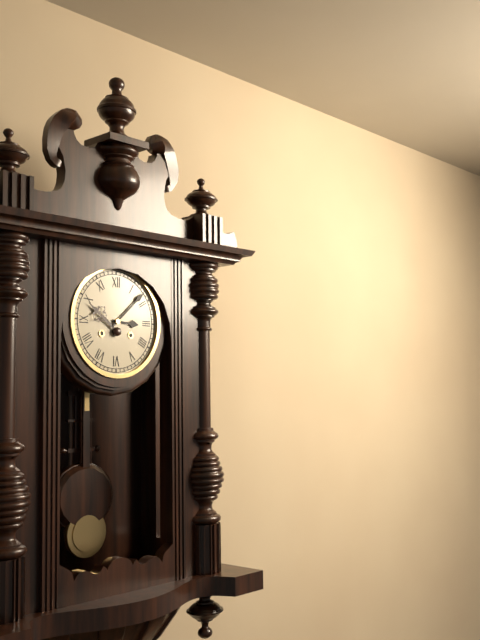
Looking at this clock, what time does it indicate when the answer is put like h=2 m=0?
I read h=3 m=8
